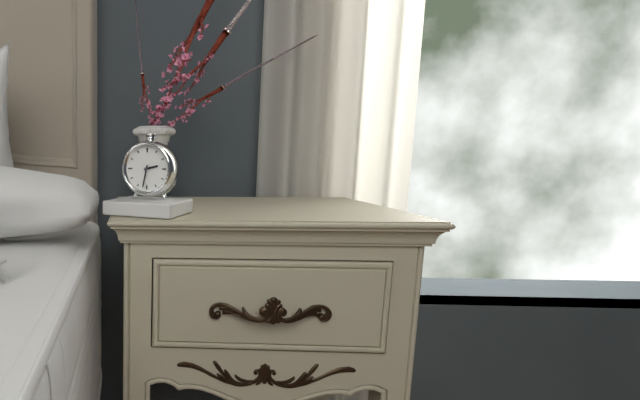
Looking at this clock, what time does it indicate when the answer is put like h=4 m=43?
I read h=2 m=32
